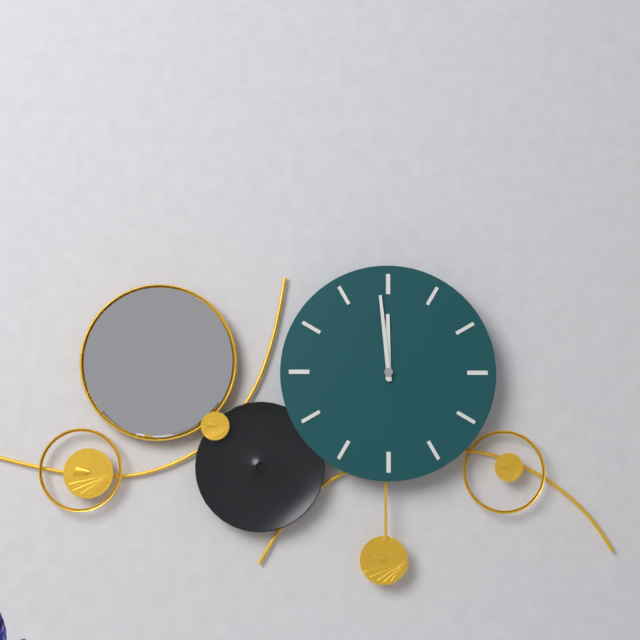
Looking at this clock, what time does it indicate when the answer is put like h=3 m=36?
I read h=11 m=59
